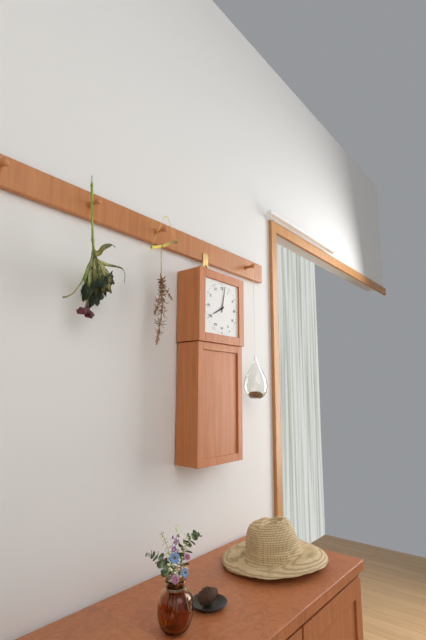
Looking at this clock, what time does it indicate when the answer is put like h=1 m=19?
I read h=8 m=2
